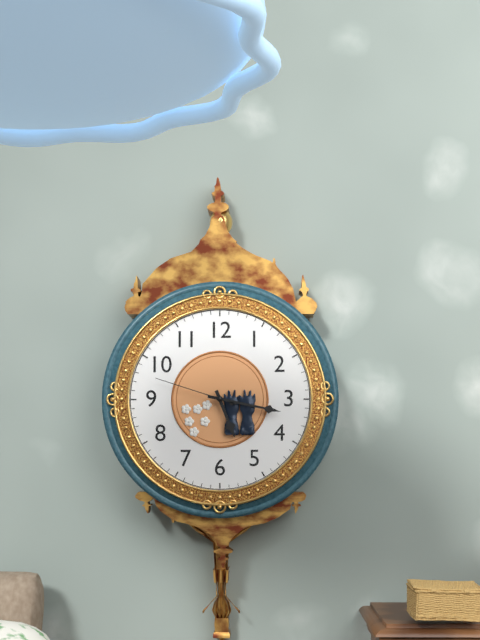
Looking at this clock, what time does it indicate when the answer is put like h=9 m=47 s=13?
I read h=5 m=17 s=48
